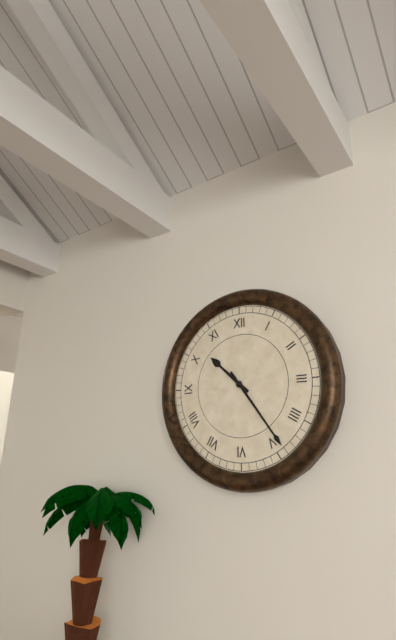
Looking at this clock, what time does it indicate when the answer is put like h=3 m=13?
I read h=10 m=24
